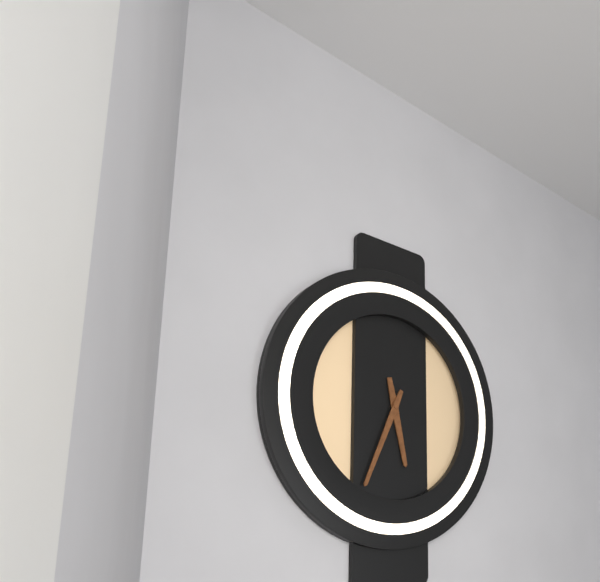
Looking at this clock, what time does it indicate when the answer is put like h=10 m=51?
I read h=5 m=34
